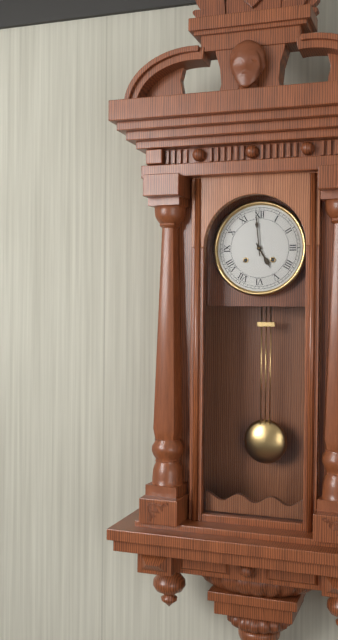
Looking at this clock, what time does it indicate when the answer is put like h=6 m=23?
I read h=4 m=59
